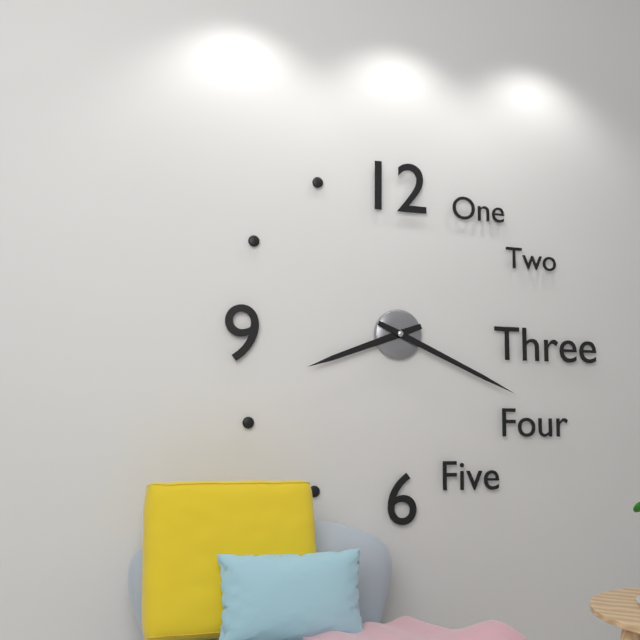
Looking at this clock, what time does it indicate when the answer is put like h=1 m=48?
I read h=8 m=19
